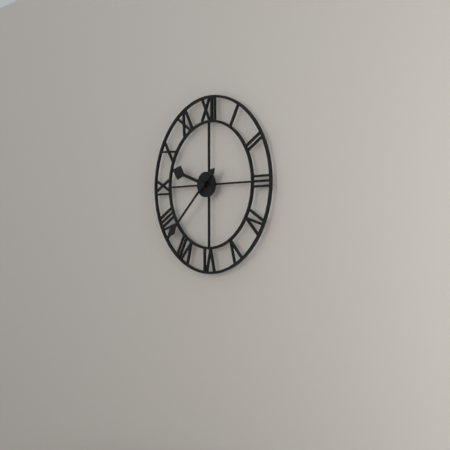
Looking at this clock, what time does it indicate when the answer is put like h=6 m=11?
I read h=9 m=38
